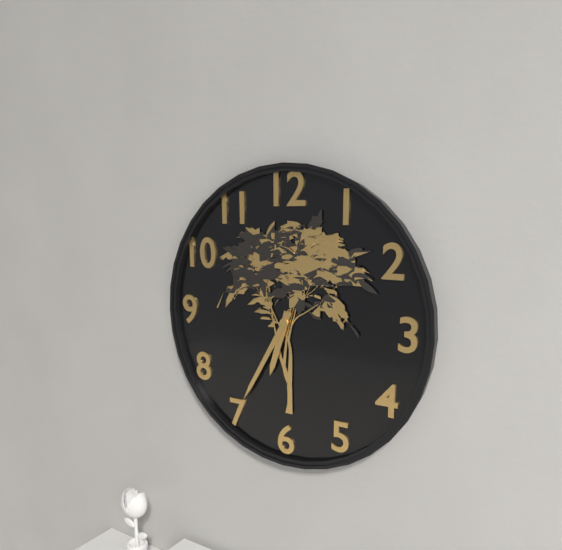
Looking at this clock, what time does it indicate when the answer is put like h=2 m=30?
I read h=6 m=35
